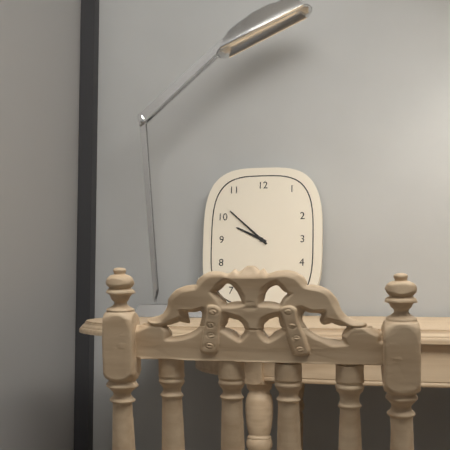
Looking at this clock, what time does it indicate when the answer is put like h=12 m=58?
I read h=9 m=52
